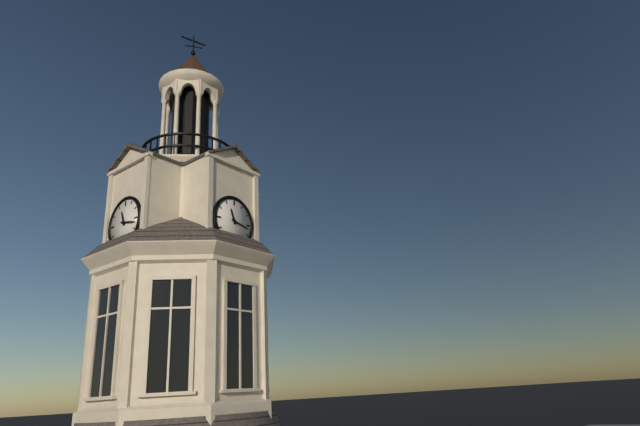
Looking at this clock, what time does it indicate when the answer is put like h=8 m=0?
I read h=11 m=17
